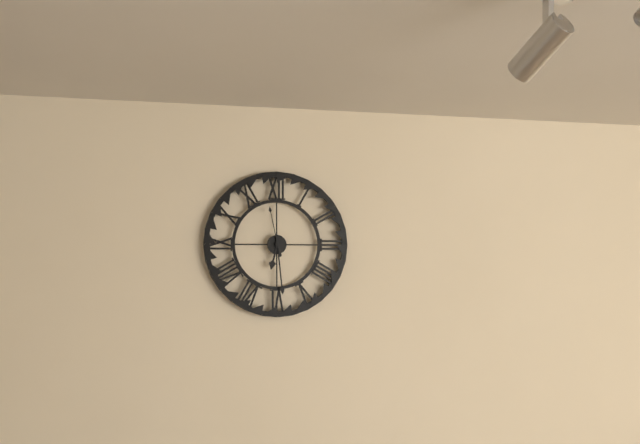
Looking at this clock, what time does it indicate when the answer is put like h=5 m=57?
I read h=6 m=29
